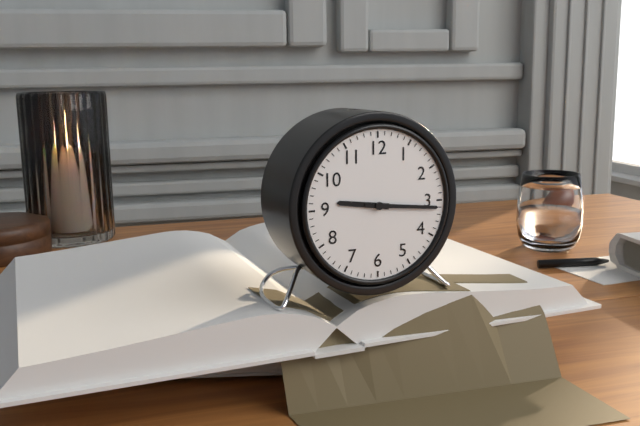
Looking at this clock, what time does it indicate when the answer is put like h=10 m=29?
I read h=9 m=16
